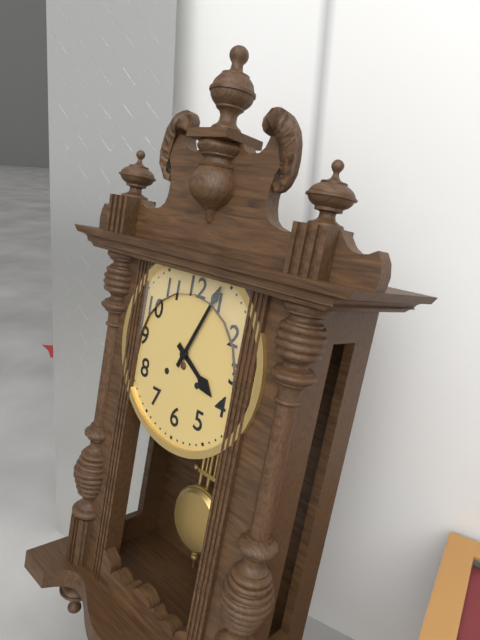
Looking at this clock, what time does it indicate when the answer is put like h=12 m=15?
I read h=4 m=4
